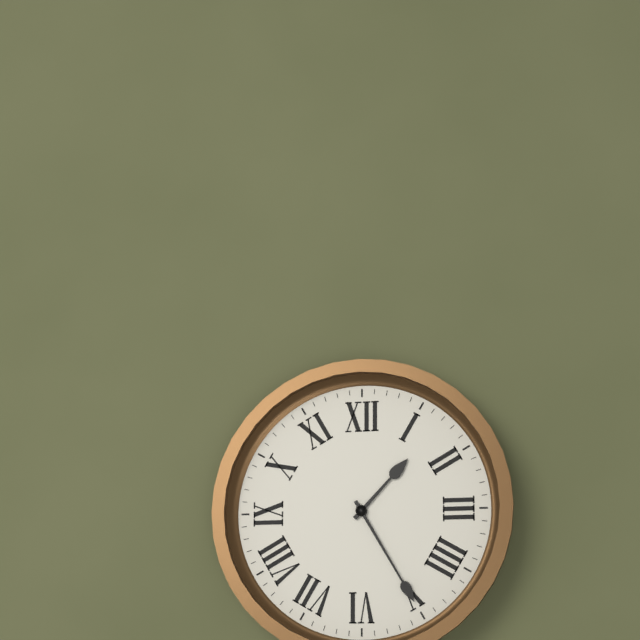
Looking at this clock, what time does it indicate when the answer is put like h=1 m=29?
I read h=1 m=25
